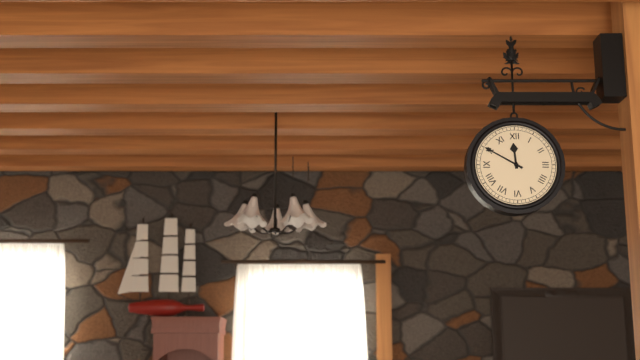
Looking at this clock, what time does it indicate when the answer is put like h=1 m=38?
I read h=11 m=50
